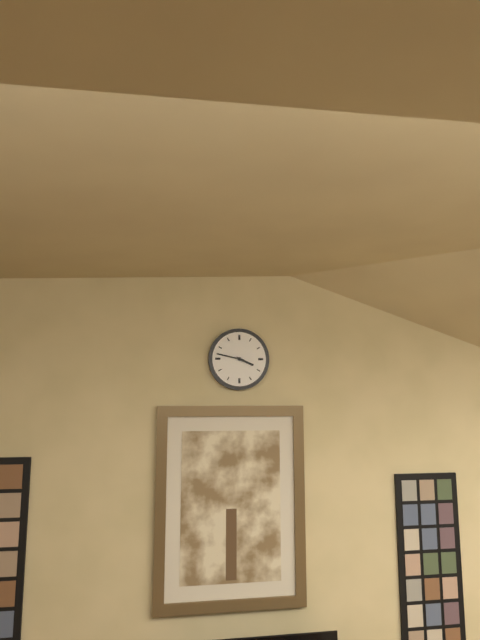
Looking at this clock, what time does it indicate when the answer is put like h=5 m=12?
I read h=3 m=47
